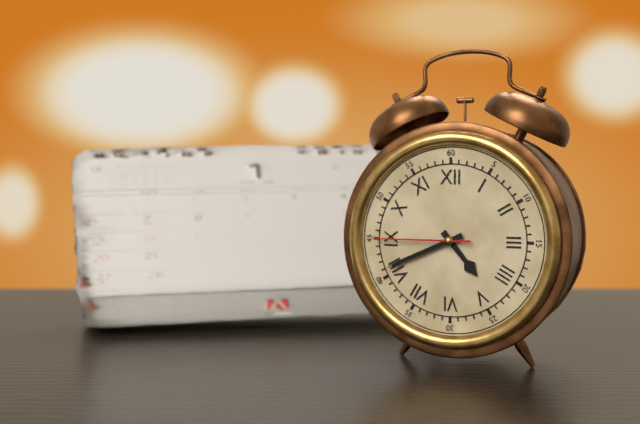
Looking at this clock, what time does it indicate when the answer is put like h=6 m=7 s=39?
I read h=4 m=41 s=45
